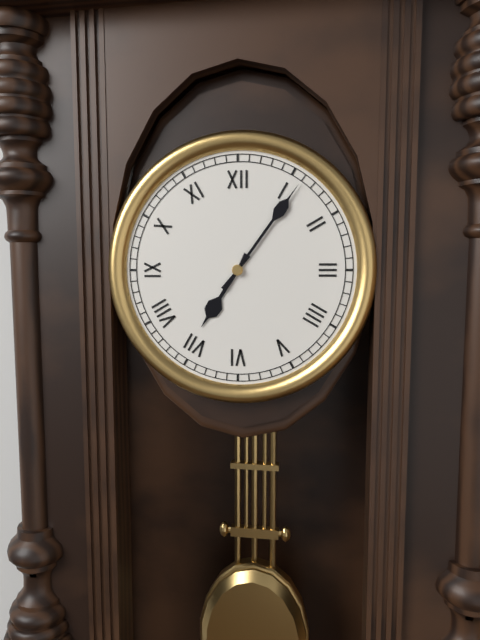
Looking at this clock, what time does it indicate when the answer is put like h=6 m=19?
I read h=7 m=6
